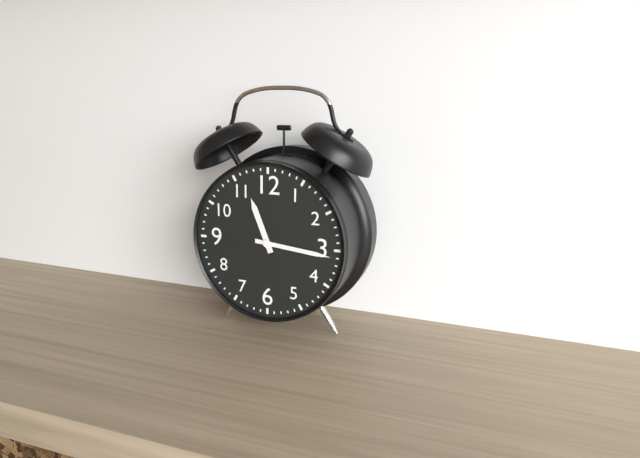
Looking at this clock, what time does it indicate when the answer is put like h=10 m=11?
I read h=11 m=16
